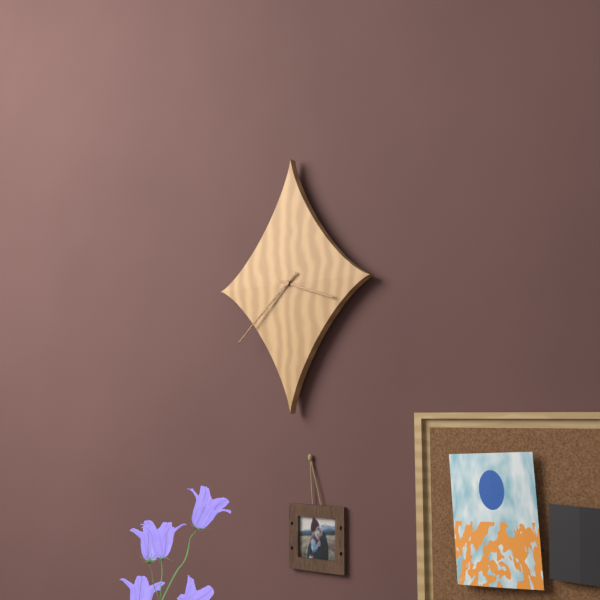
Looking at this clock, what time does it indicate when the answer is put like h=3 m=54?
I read h=3 m=38
